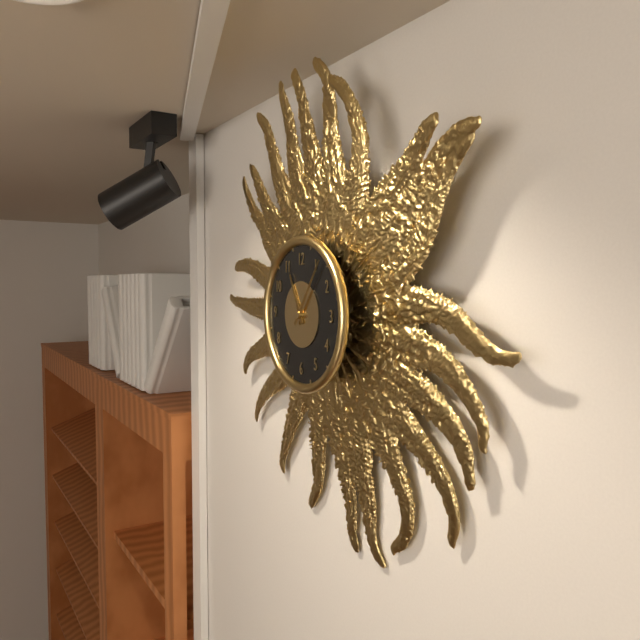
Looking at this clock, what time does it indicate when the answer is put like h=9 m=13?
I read h=11 m=6
